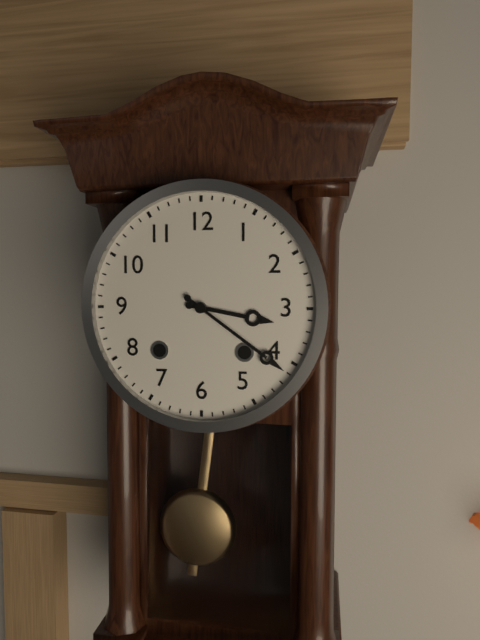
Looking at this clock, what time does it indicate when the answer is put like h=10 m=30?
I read h=3 m=21
